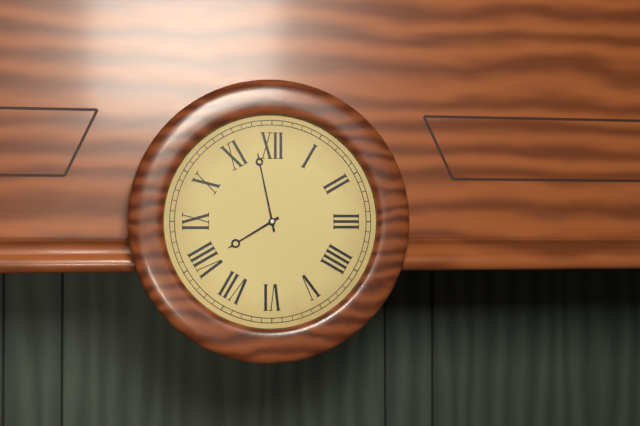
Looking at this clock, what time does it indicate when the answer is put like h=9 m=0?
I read h=7 m=58
